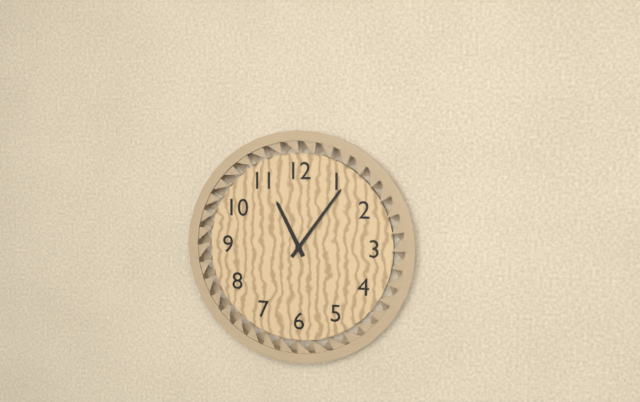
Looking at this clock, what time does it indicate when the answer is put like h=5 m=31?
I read h=11 m=6
